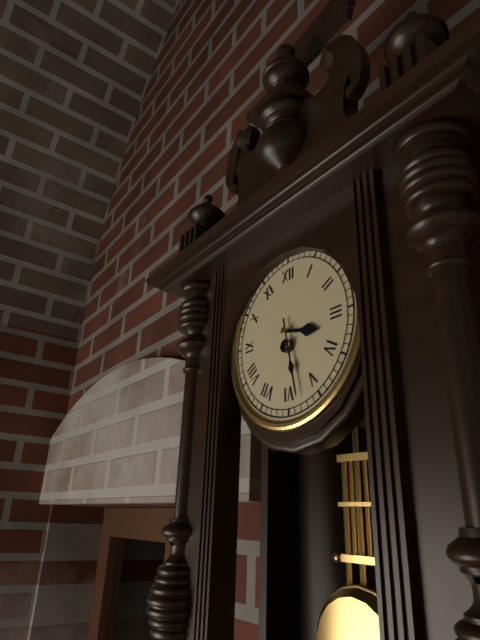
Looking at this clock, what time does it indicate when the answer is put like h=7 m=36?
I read h=3 m=28
